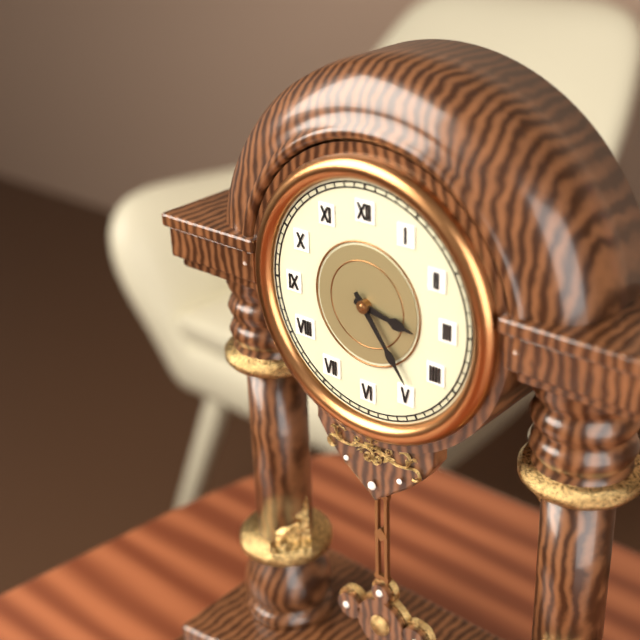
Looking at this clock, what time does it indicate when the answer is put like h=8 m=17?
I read h=3 m=24
